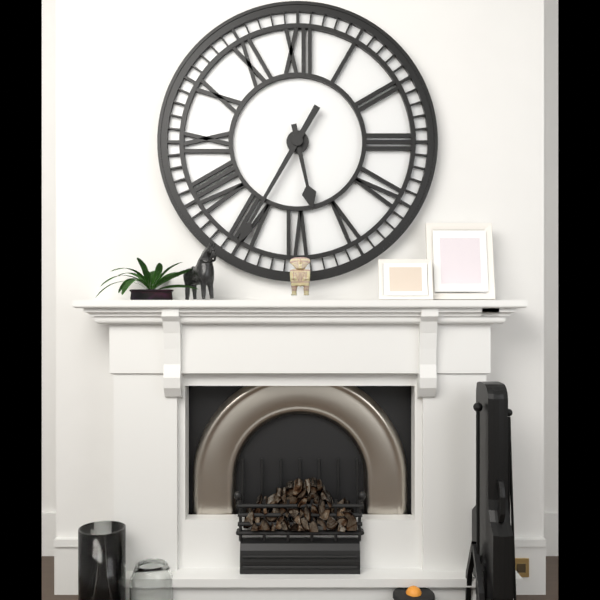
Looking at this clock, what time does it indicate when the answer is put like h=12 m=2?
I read h=5 m=35
